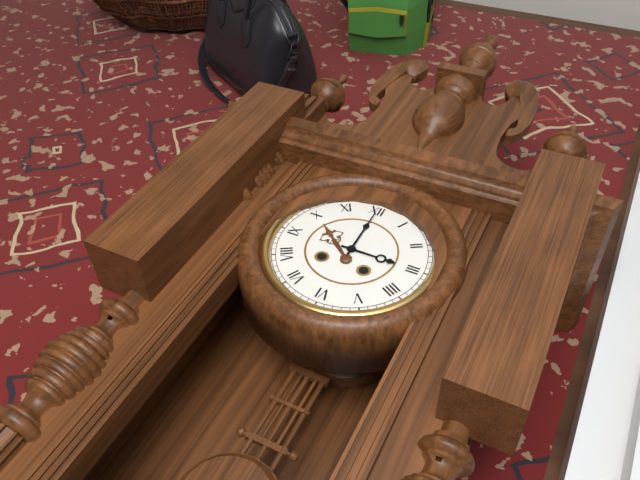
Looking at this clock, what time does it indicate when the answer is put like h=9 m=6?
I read h=3 m=0
